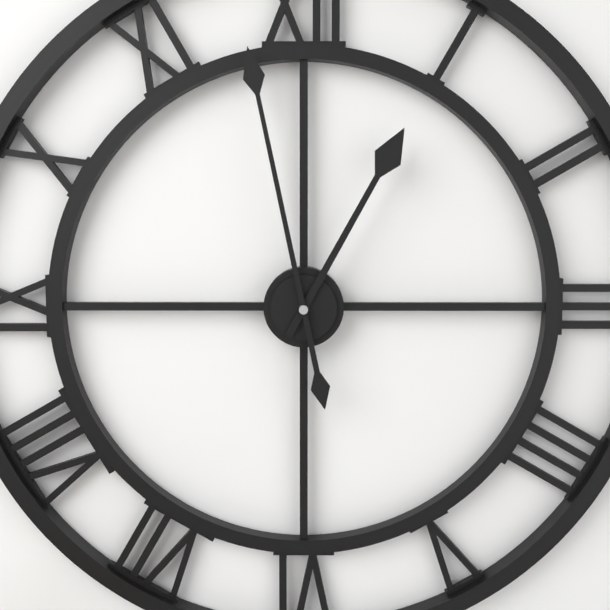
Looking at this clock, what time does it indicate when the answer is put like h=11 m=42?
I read h=12 m=58
